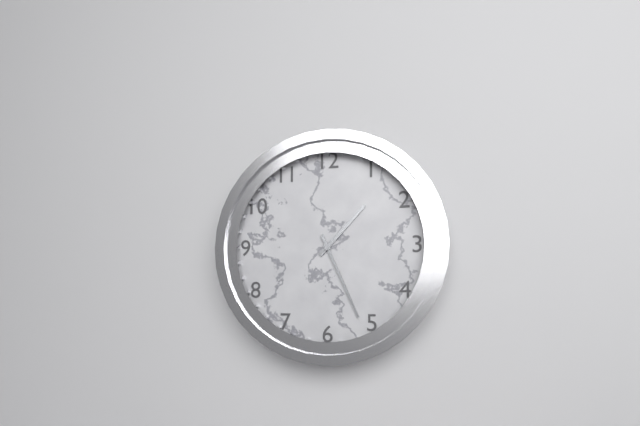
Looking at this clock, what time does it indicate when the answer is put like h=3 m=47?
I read h=1 m=26
